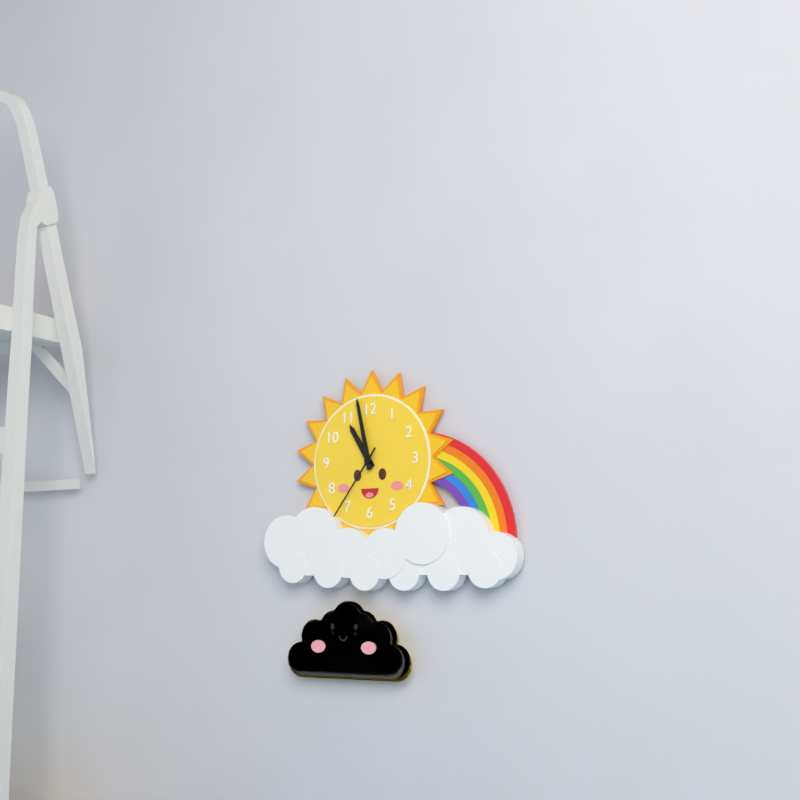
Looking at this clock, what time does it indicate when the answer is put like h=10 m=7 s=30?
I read h=10 m=58 s=36
